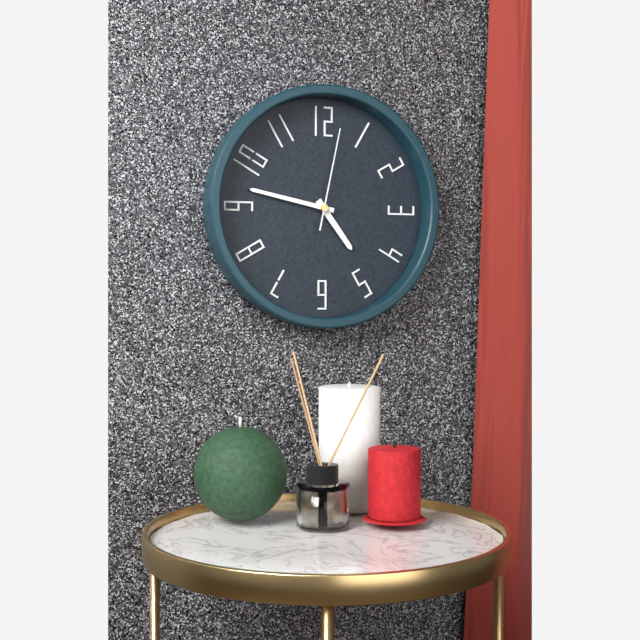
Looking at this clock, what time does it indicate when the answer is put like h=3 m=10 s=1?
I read h=4 m=47 s=2
